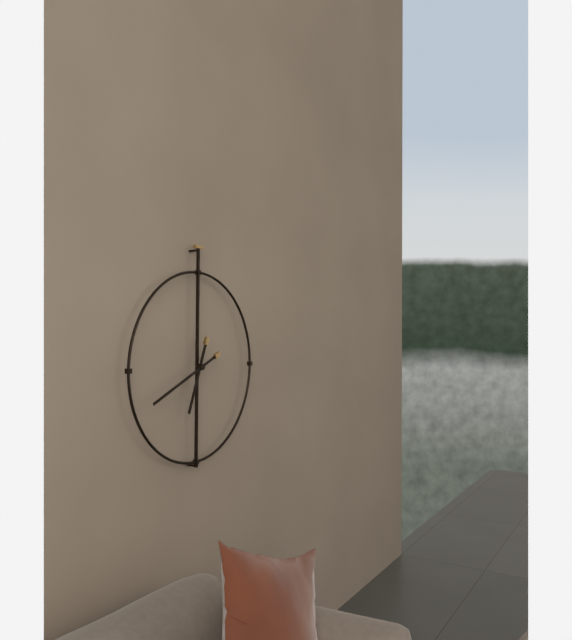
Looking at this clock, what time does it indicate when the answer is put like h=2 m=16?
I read h=6 m=41
